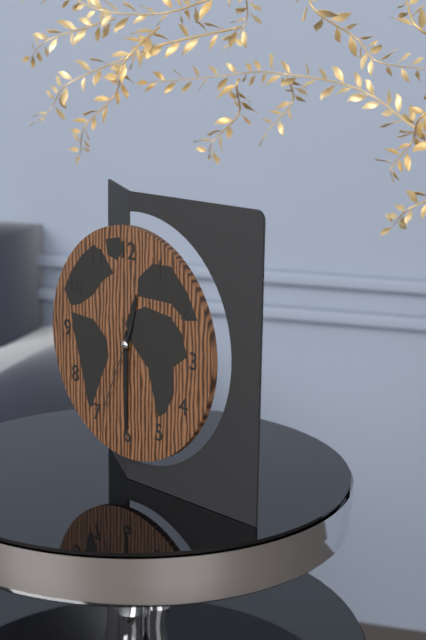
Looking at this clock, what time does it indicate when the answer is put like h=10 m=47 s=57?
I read h=12 m=30 s=34
